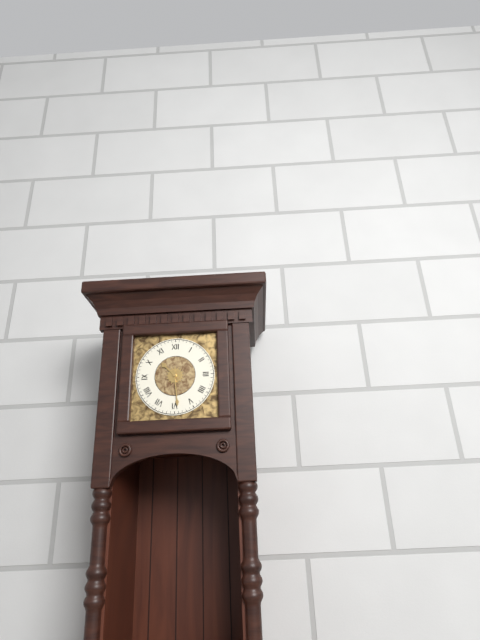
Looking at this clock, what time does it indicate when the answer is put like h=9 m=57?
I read h=10 m=29
